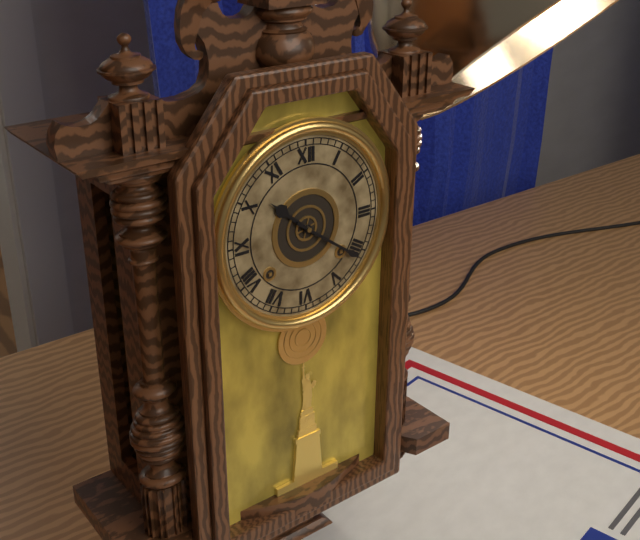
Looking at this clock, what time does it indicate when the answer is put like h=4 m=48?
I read h=10 m=21
